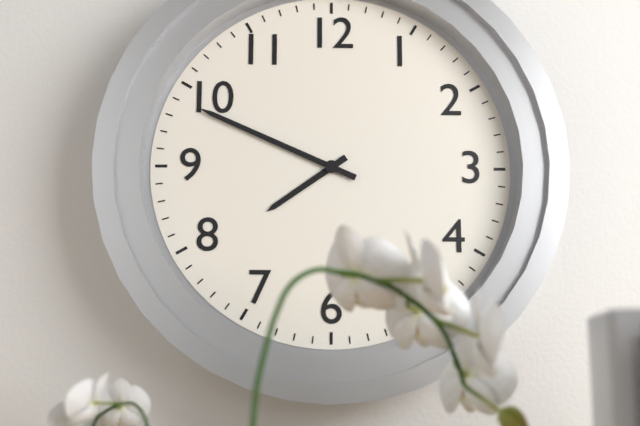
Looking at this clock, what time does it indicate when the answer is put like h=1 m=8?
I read h=7 m=49
